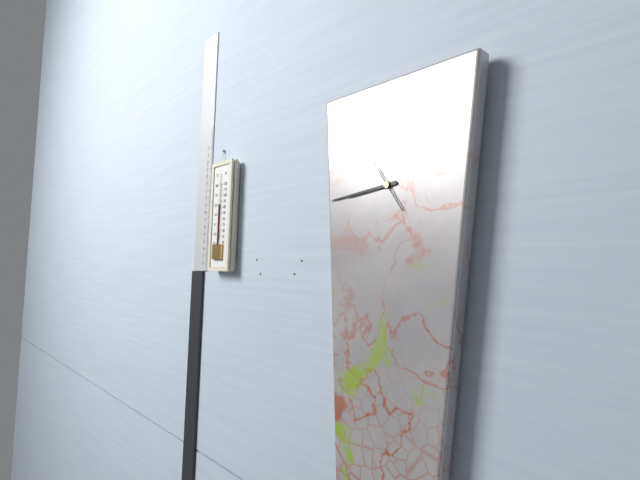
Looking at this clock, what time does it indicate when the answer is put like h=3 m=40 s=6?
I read h=8 m=44 s=54
